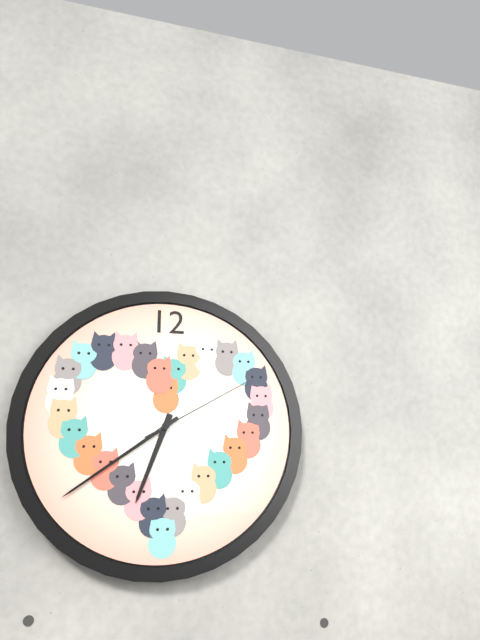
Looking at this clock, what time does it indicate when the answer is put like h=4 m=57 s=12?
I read h=6 m=39 s=10
